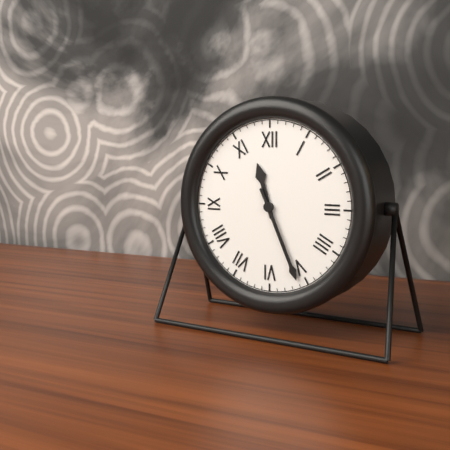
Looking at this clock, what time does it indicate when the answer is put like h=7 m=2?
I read h=11 m=26
